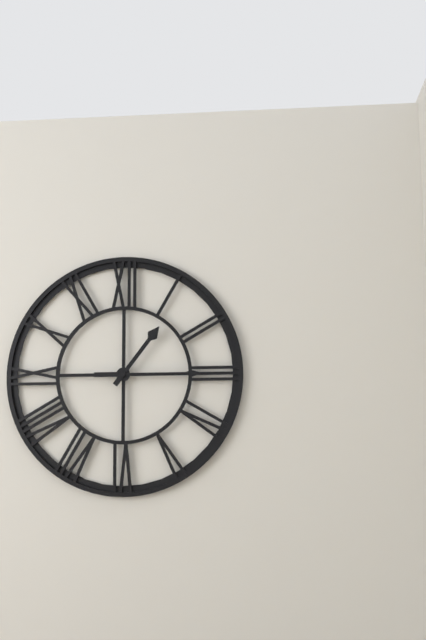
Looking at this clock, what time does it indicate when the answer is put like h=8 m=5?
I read h=1 m=15
